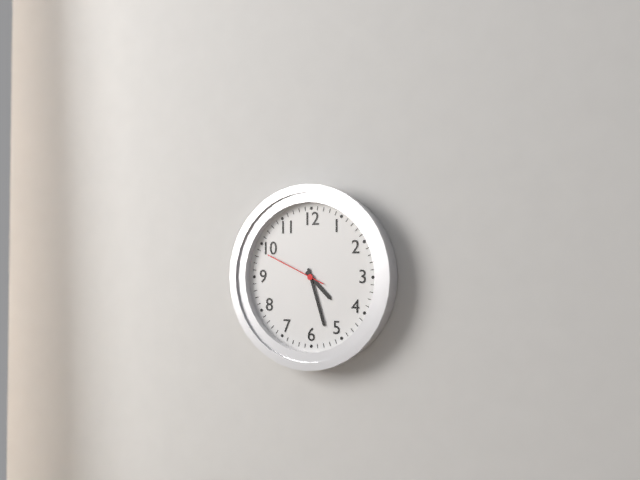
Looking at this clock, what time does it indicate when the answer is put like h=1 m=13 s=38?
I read h=4 m=27 s=49
